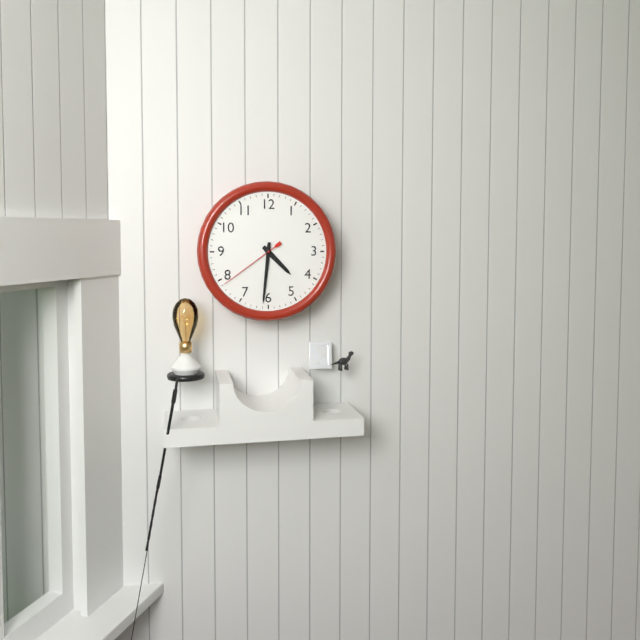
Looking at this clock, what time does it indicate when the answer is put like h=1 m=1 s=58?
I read h=4 m=31 s=39
